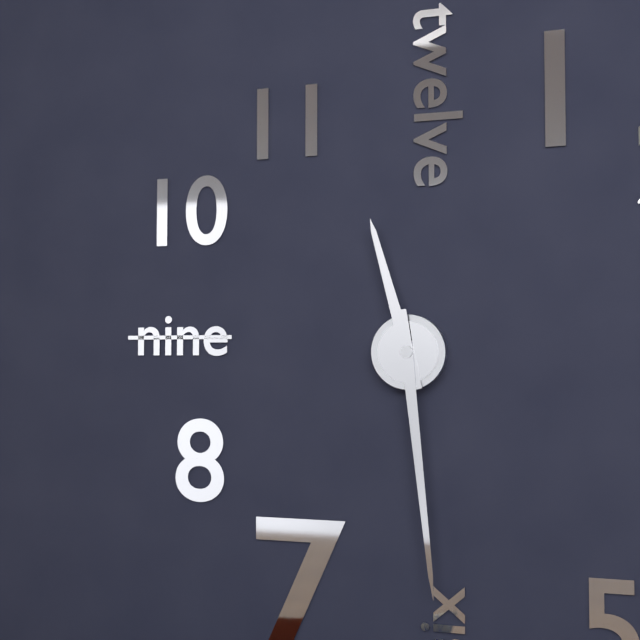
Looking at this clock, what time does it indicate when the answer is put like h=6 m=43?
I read h=11 m=29
